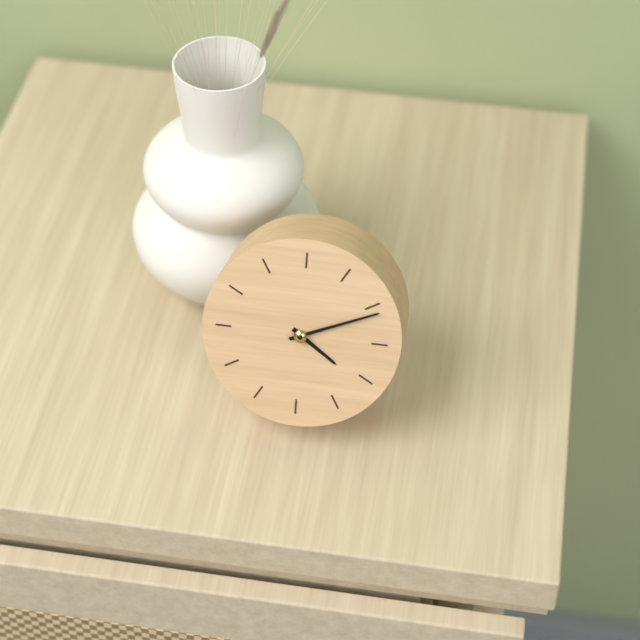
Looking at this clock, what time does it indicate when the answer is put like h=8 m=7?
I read h=4 m=11
